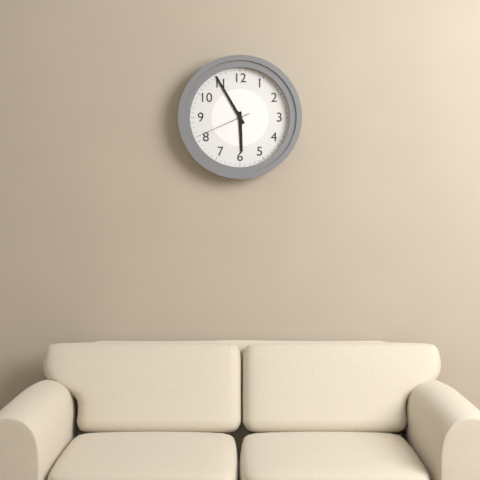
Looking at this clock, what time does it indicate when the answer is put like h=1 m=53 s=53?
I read h=5 m=55 s=41
